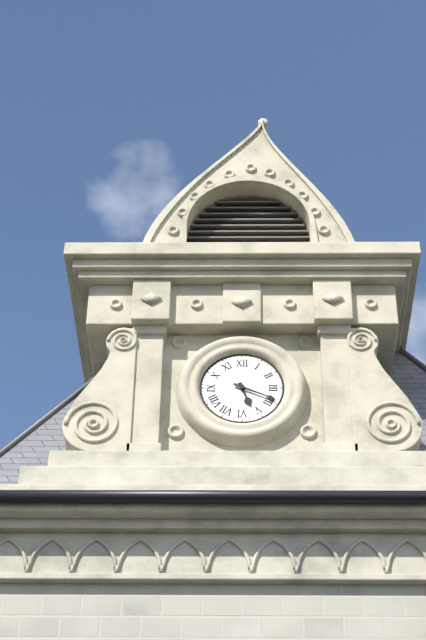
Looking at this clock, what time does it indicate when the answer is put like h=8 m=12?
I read h=5 m=19
